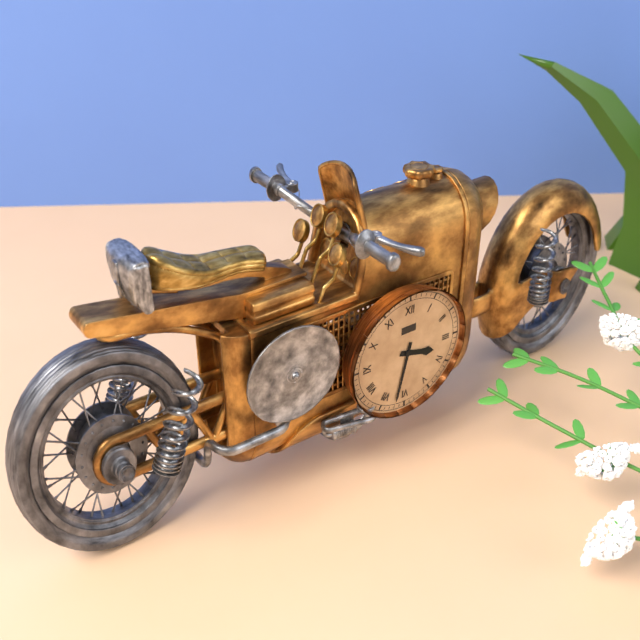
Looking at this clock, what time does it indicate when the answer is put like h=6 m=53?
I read h=3 m=32
